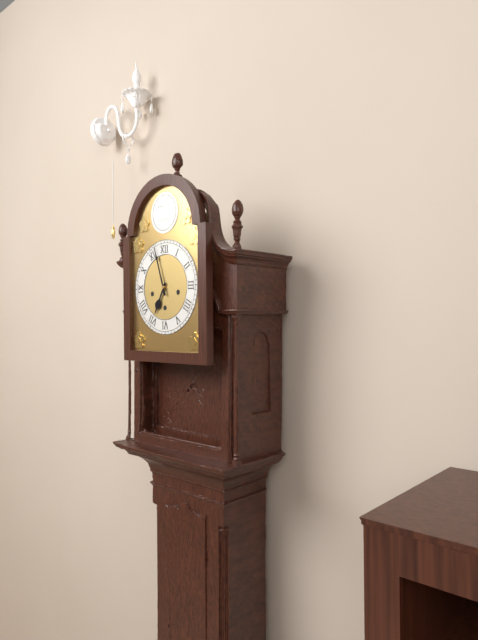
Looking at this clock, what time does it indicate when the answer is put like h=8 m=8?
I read h=6 m=57
